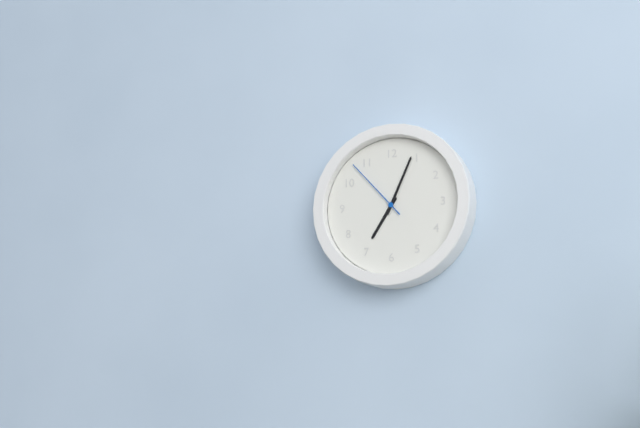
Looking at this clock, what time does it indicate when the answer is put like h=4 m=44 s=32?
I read h=7 m=4 s=53
